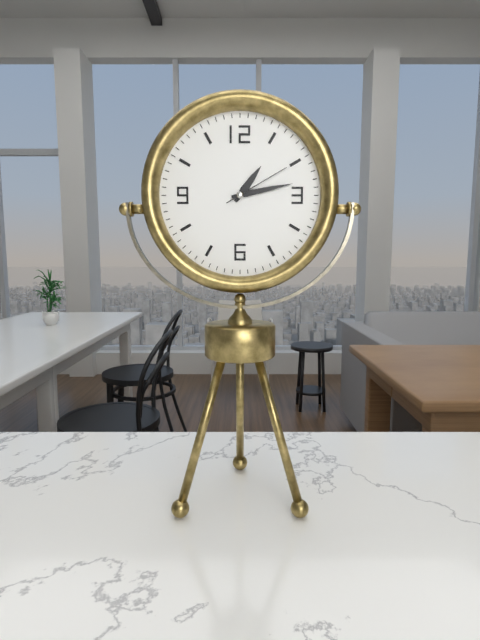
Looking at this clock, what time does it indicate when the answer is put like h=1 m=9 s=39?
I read h=1 m=13 s=10
